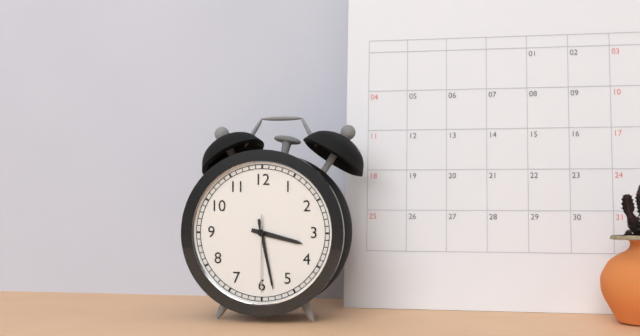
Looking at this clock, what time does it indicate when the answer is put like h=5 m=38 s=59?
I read h=3 m=28 s=30
